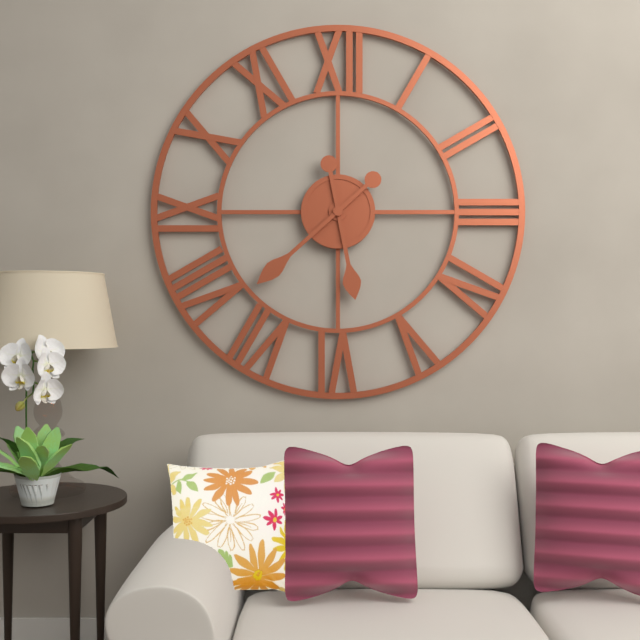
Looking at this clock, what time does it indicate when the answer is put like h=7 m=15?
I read h=5 m=38
